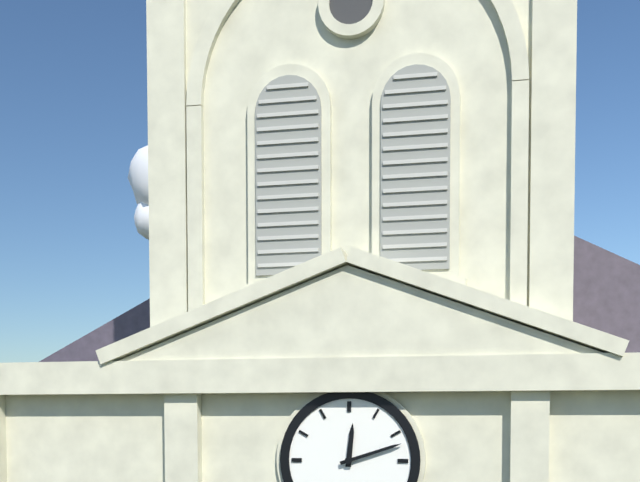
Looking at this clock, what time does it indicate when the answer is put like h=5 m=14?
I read h=12 m=12
